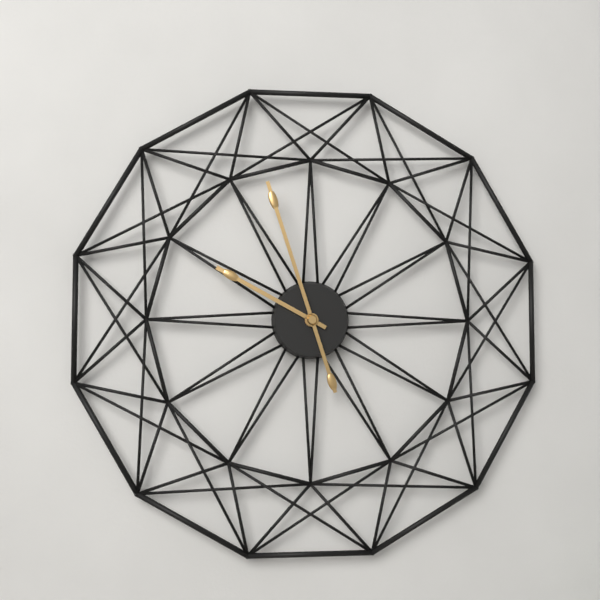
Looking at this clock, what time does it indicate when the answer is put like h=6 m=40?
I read h=9 m=57
